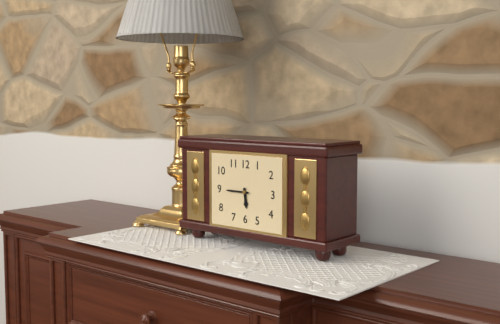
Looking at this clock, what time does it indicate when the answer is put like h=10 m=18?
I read h=5 m=45
